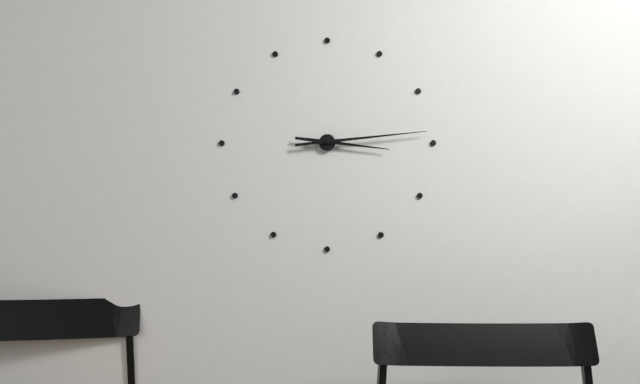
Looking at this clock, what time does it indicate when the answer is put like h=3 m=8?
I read h=3 m=14
